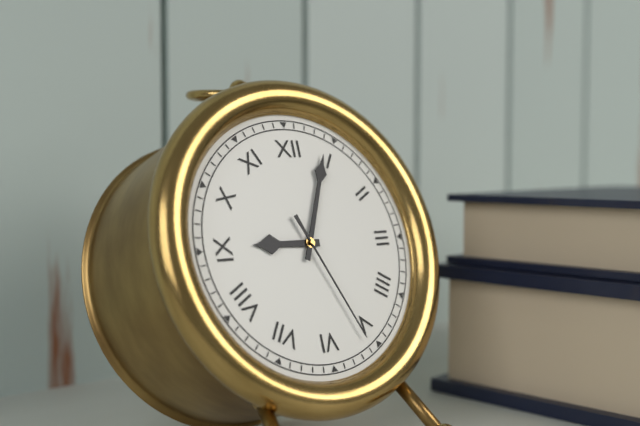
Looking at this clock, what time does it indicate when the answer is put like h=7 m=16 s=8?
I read h=9 m=4 s=26
